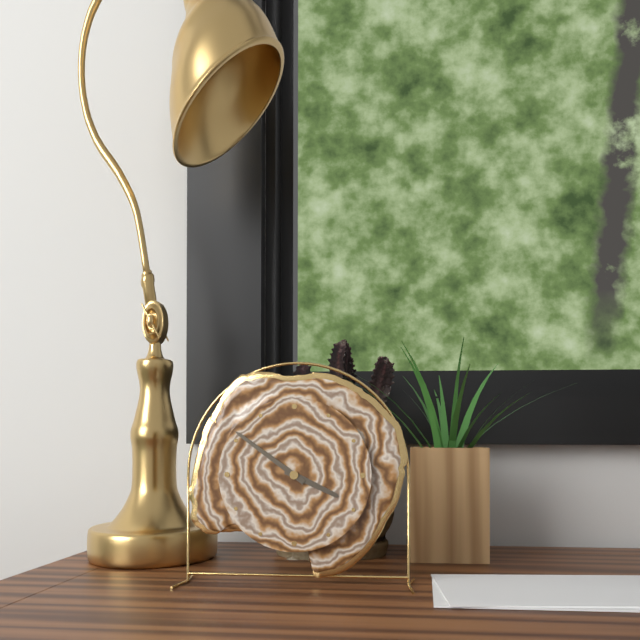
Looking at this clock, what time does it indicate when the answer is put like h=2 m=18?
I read h=3 m=51
